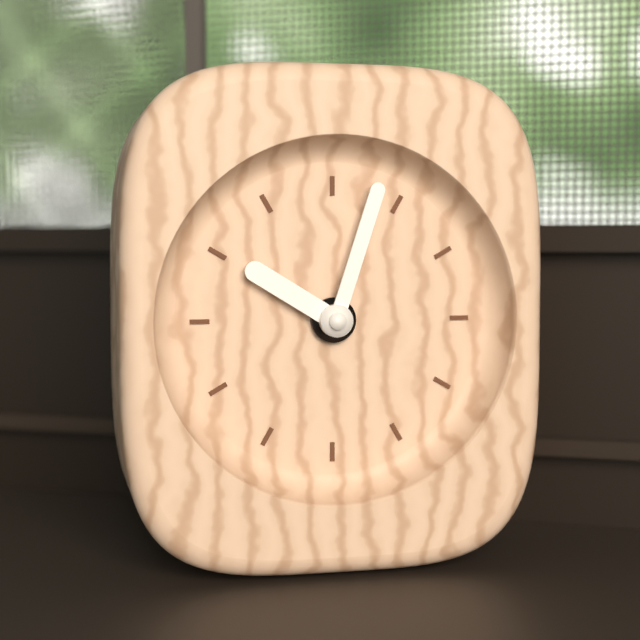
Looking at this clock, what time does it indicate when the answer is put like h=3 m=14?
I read h=10 m=3
